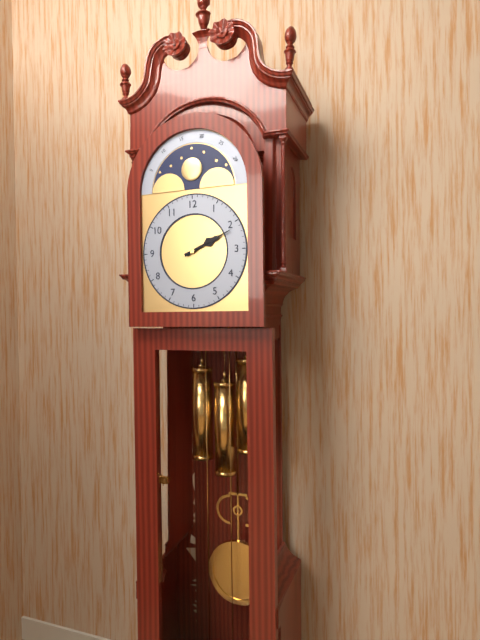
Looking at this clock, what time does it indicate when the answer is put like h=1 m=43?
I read h=2 m=11
